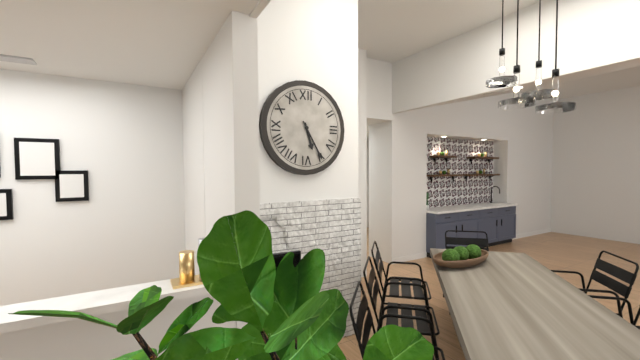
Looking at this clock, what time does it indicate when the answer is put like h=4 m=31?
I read h=5 m=25
